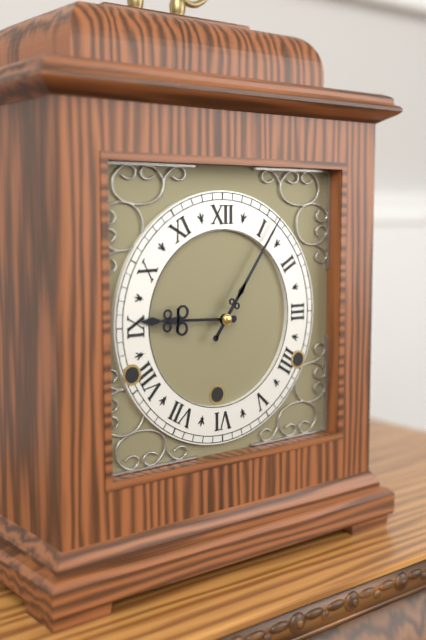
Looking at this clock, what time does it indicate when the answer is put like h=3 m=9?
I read h=9 m=6
